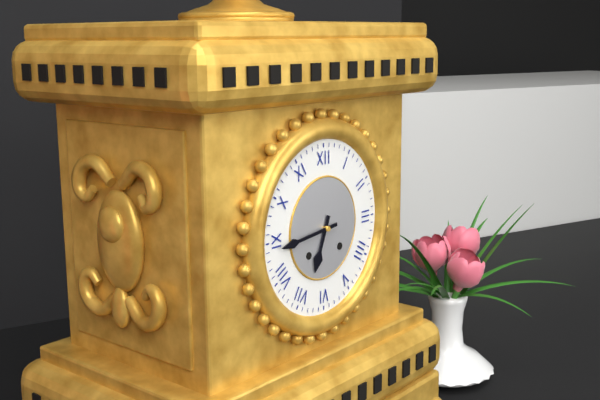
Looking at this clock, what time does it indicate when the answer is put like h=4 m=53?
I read h=6 m=44
